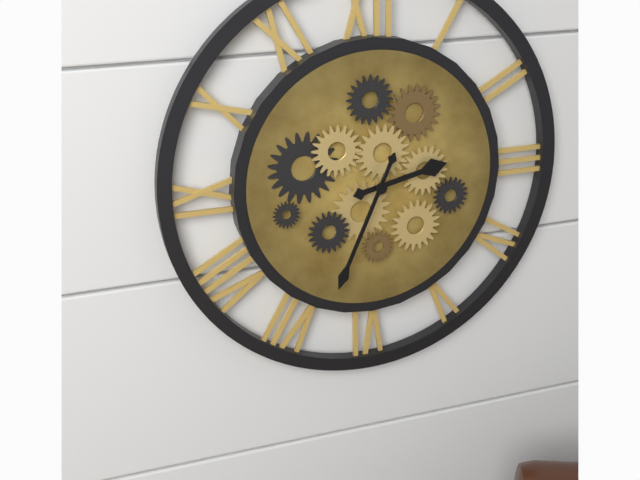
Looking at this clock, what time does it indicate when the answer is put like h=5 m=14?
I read h=2 m=34
